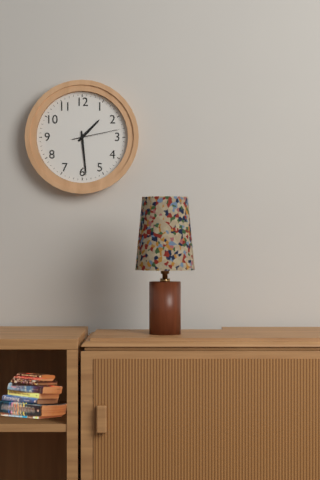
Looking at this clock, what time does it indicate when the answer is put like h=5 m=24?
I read h=1 m=29
